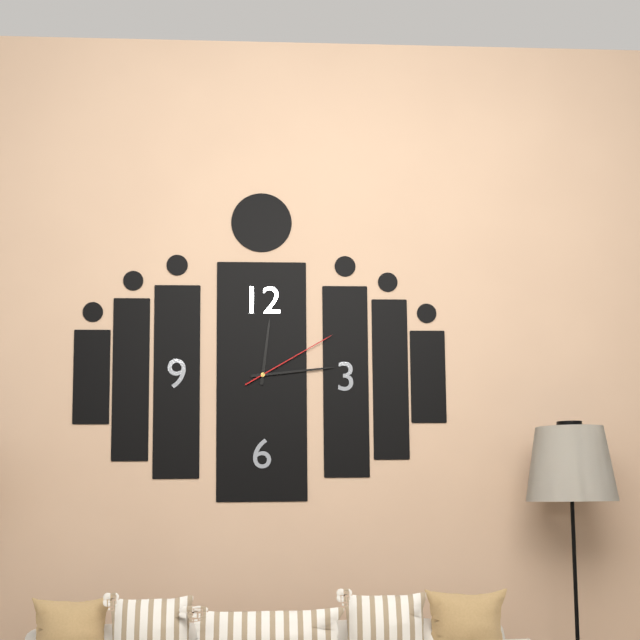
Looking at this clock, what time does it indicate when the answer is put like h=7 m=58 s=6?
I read h=12 m=14 s=10
